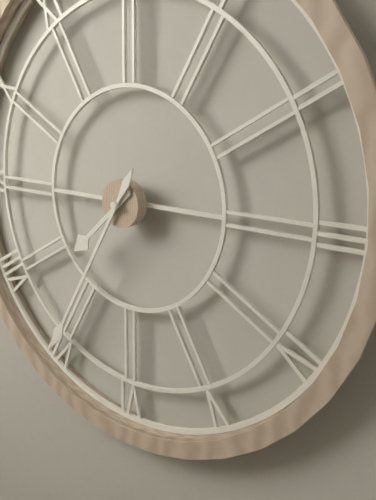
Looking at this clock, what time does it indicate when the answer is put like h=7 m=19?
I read h=7 m=35
